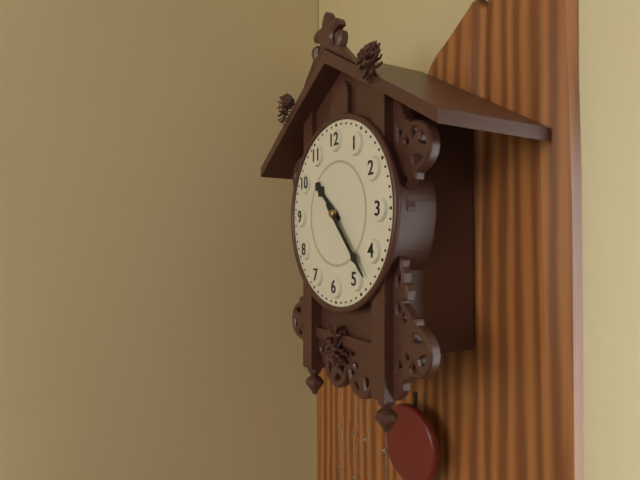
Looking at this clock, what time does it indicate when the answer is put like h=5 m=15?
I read h=10 m=23
